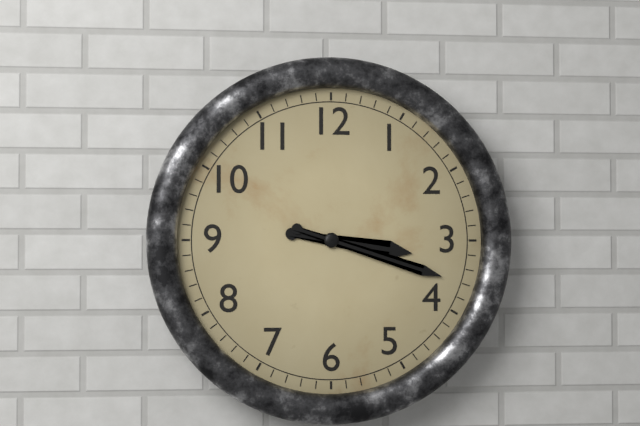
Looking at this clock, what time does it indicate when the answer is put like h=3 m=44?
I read h=3 m=18
